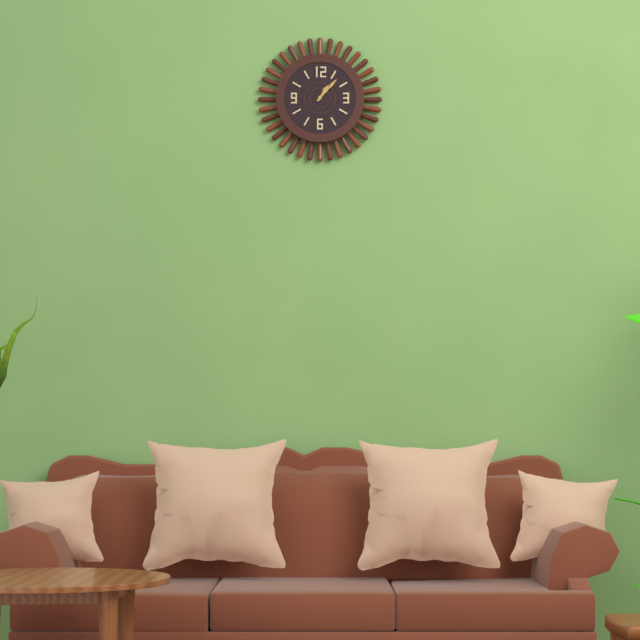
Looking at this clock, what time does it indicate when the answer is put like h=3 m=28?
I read h=1 m=7
